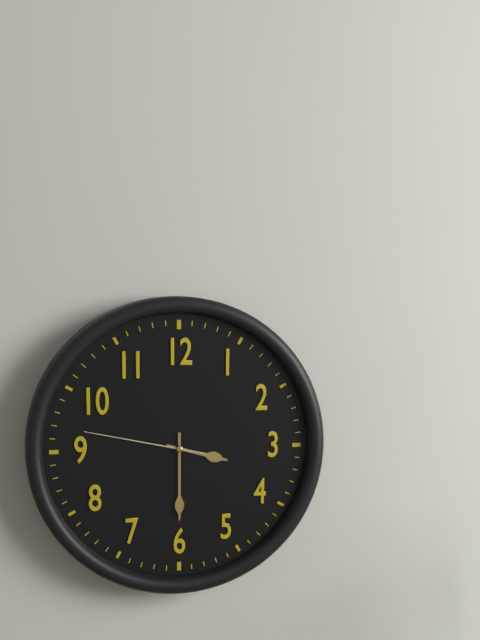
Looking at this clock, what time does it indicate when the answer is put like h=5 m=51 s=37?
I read h=3 m=30 s=47
